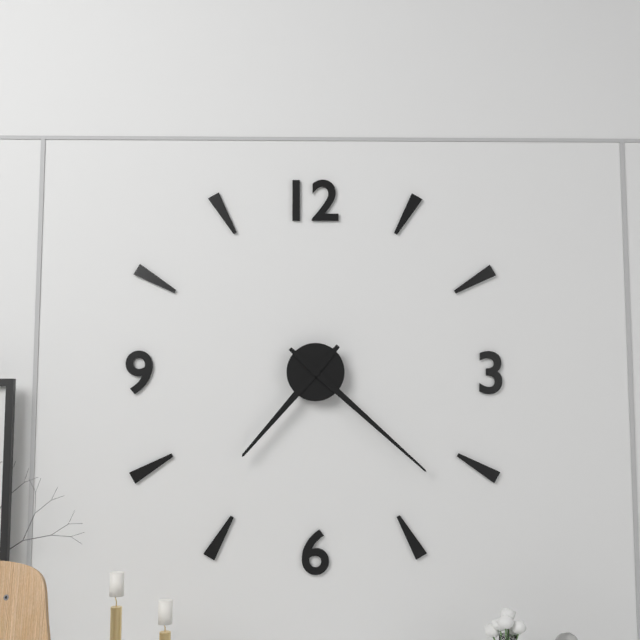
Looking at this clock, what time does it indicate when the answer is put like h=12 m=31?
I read h=7 m=22
